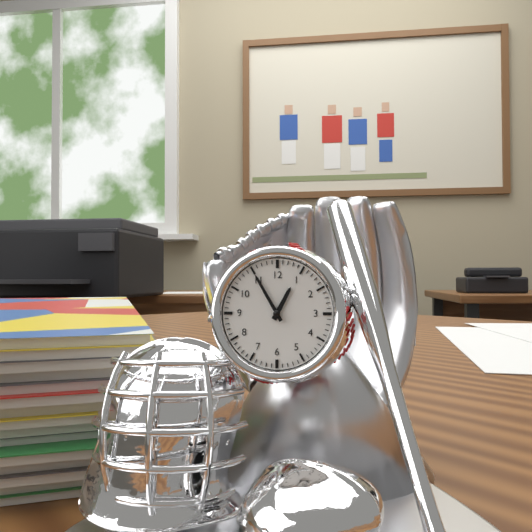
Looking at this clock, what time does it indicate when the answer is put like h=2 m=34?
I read h=12 m=55
